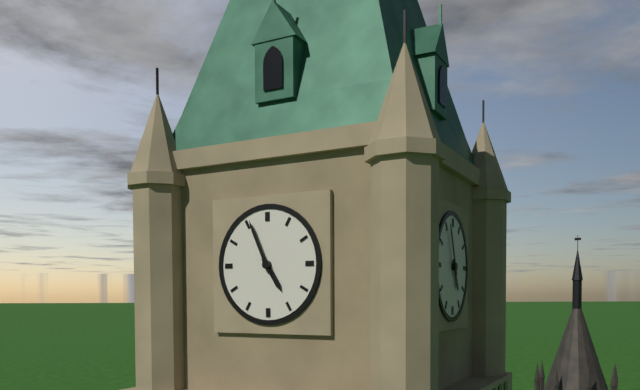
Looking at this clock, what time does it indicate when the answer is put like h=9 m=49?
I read h=4 m=56
